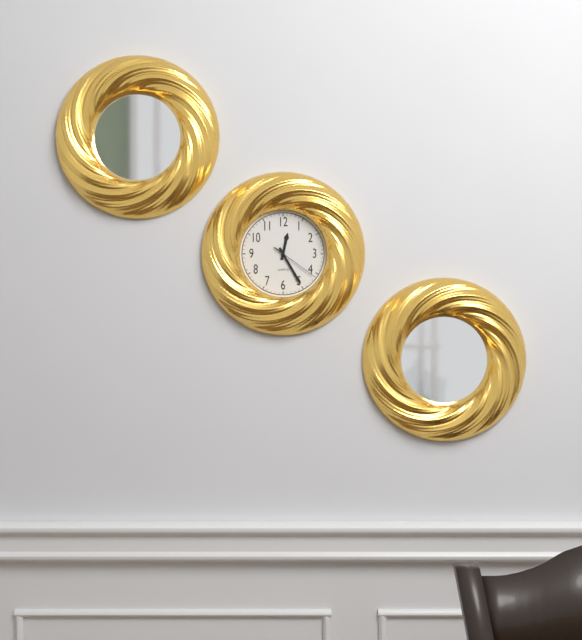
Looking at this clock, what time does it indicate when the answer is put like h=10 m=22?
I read h=12 m=25
